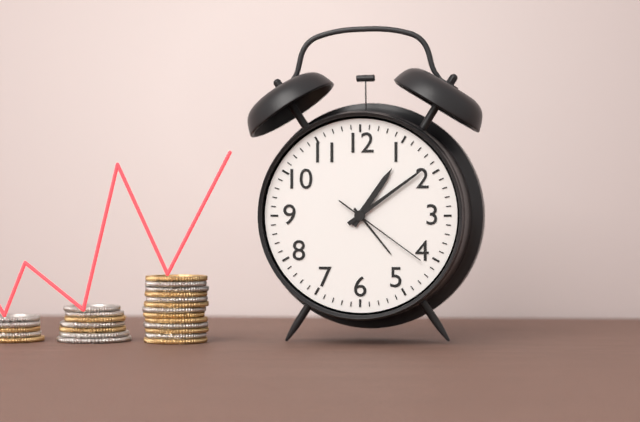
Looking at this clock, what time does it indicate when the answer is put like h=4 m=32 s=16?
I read h=1 m=9 s=21
